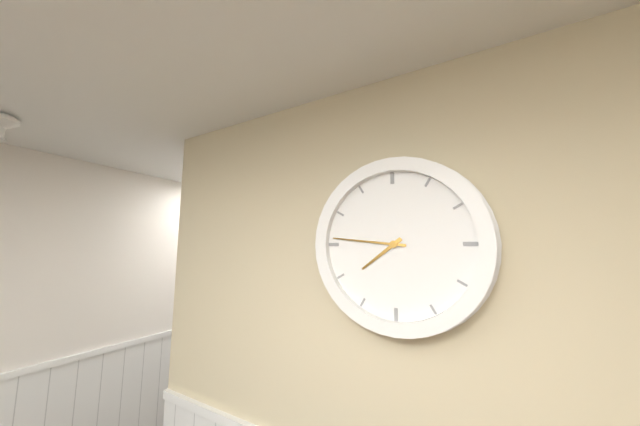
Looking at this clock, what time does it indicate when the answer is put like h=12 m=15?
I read h=7 m=46
